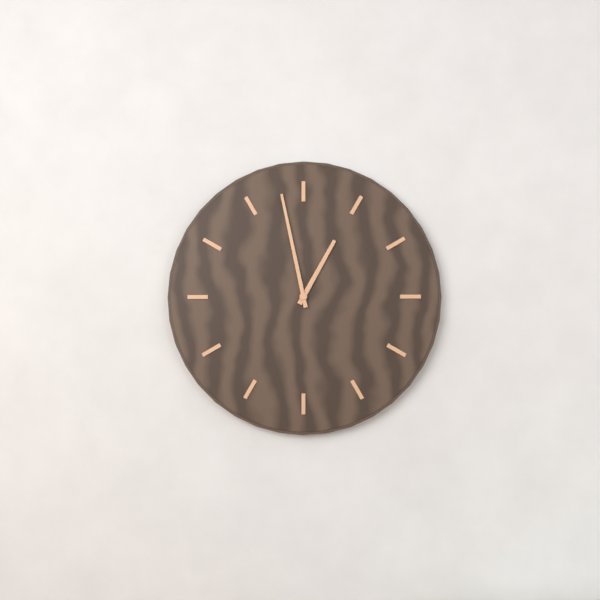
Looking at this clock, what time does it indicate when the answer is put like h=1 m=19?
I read h=12 m=58
